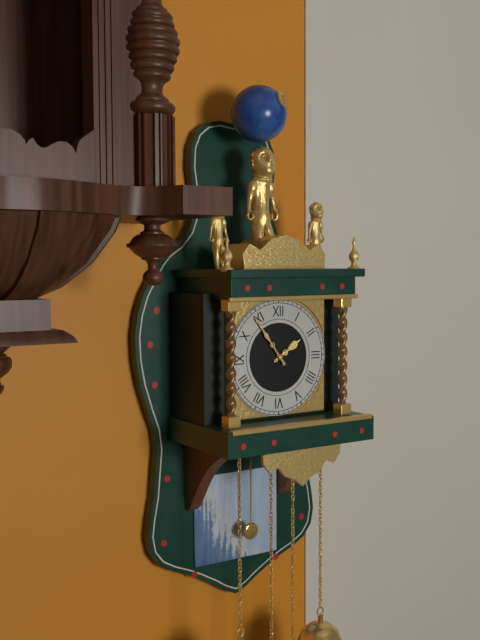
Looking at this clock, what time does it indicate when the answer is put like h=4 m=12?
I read h=1 m=54
